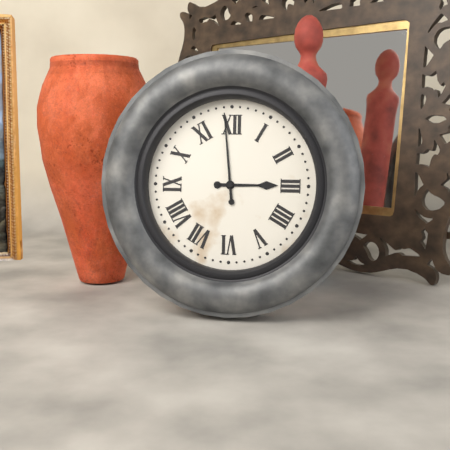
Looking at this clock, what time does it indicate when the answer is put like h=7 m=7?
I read h=2 m=59
